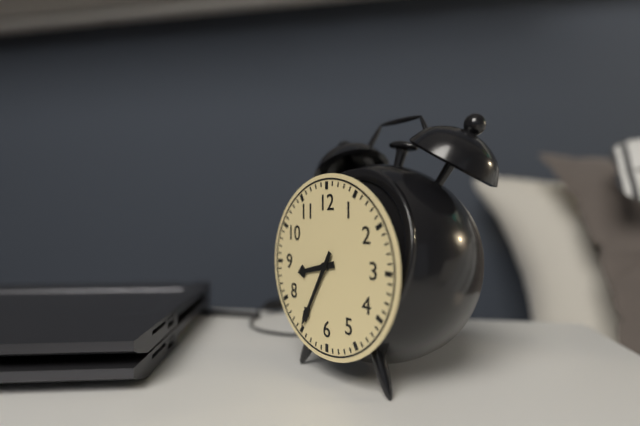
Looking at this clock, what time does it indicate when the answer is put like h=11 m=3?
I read h=8 m=35
